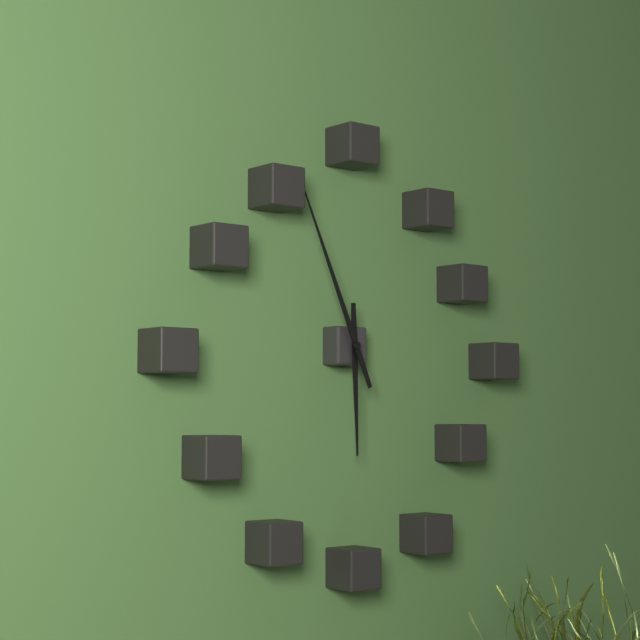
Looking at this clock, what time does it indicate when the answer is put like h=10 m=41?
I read h=5 m=56
